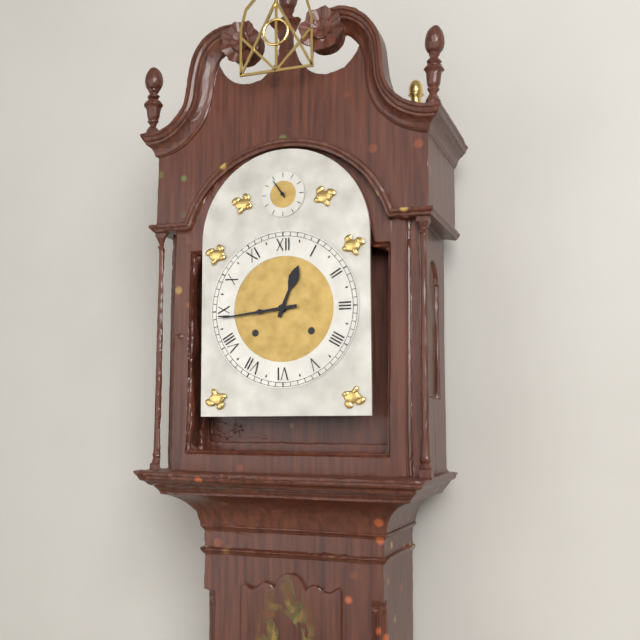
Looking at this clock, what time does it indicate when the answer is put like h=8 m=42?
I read h=12 m=44
